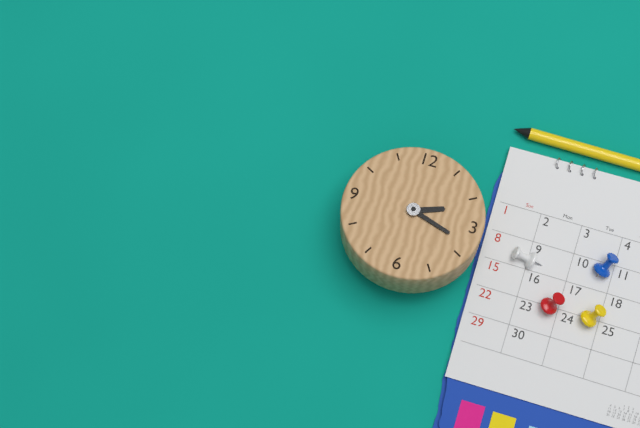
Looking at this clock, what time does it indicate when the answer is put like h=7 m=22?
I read h=2 m=18
